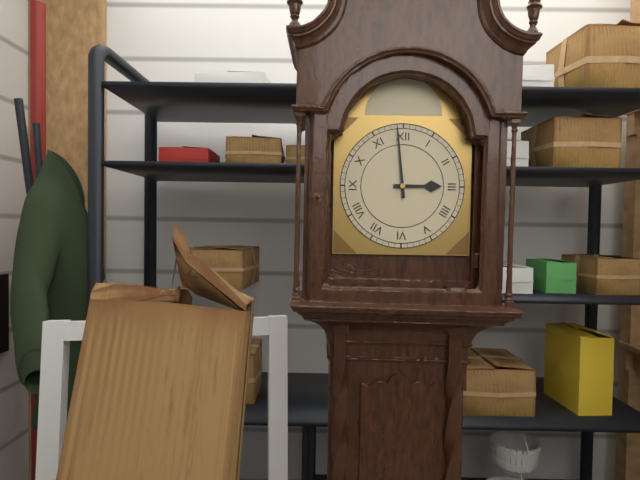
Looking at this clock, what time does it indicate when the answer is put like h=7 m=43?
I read h=2 m=59
